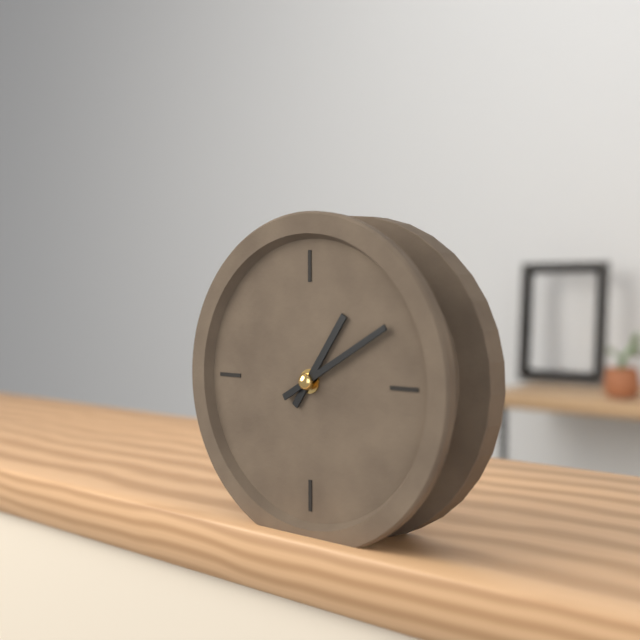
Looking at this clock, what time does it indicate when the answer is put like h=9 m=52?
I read h=1 m=10
